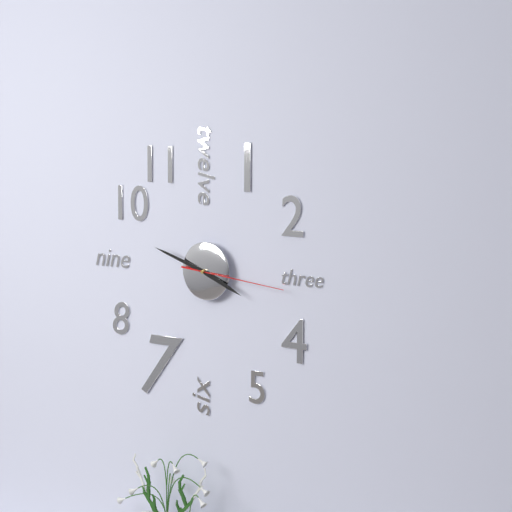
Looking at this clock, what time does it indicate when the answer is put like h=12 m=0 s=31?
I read h=3 m=48 s=16
